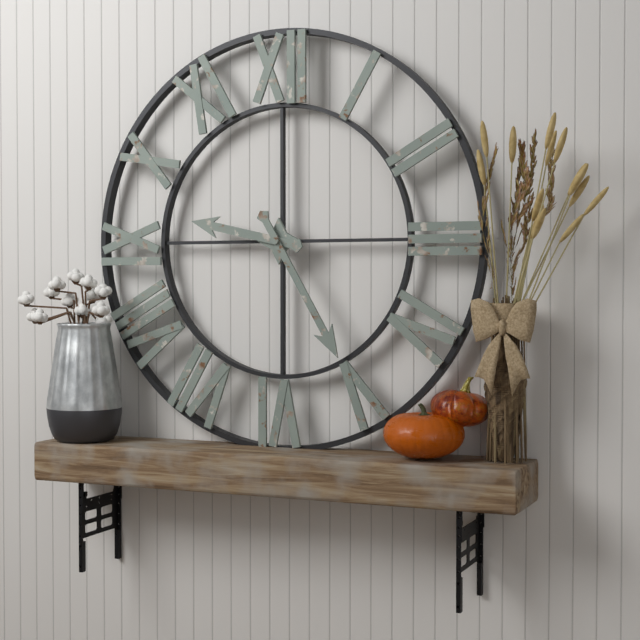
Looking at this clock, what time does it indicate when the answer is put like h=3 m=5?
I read h=9 m=25
